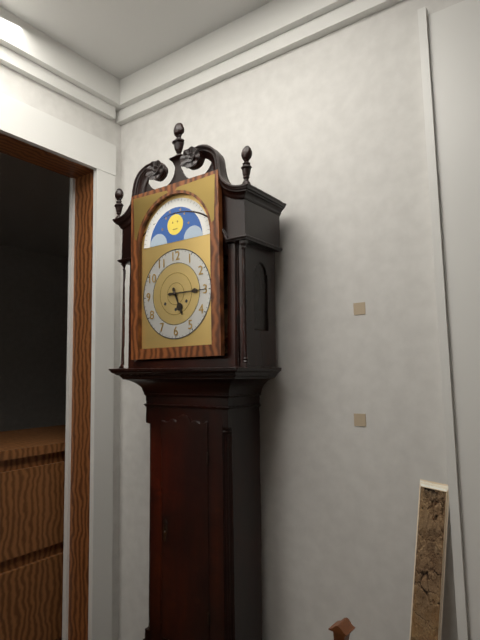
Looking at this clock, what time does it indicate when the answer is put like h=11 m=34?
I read h=5 m=15
